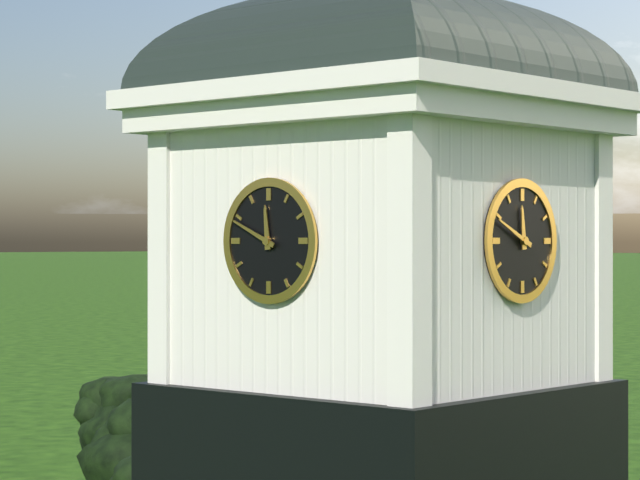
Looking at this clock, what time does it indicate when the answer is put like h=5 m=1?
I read h=11 m=49
